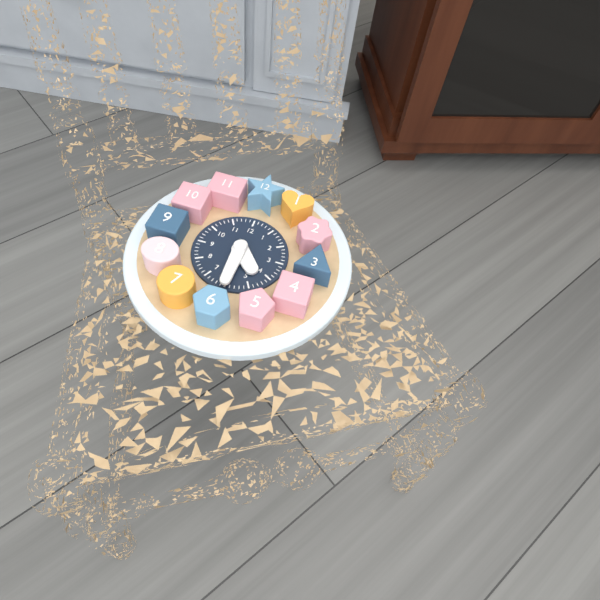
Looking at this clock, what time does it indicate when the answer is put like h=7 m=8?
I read h=4 m=30
